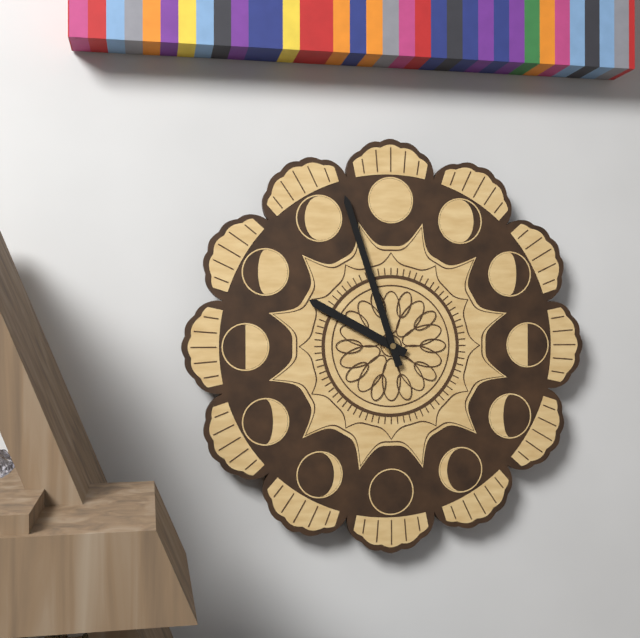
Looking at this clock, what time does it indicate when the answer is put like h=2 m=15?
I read h=9 m=57
